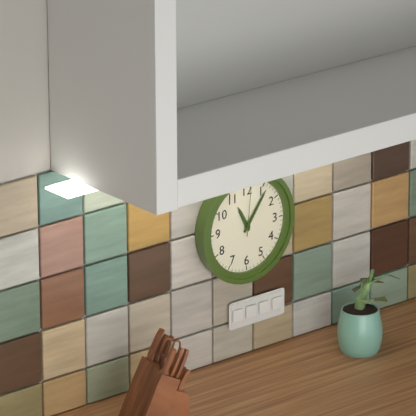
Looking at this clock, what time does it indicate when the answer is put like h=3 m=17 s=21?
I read h=11 m=6 s=1
